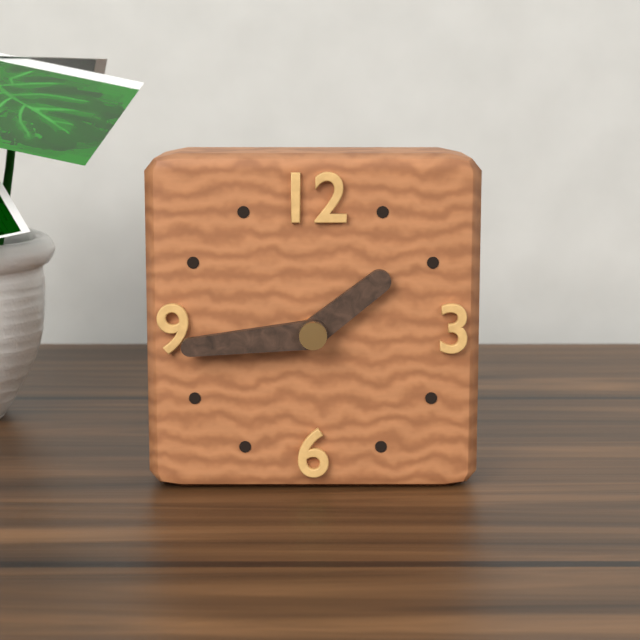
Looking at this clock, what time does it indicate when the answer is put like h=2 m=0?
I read h=1 m=44
